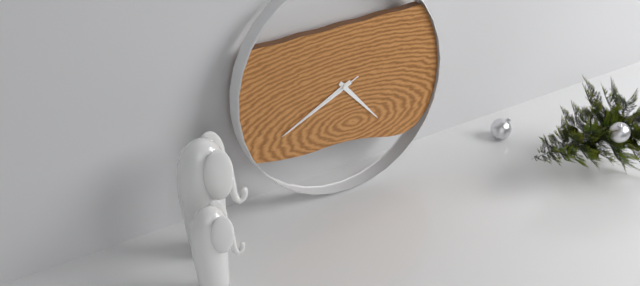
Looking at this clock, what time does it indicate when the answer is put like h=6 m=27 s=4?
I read h=4 m=41 s=41
